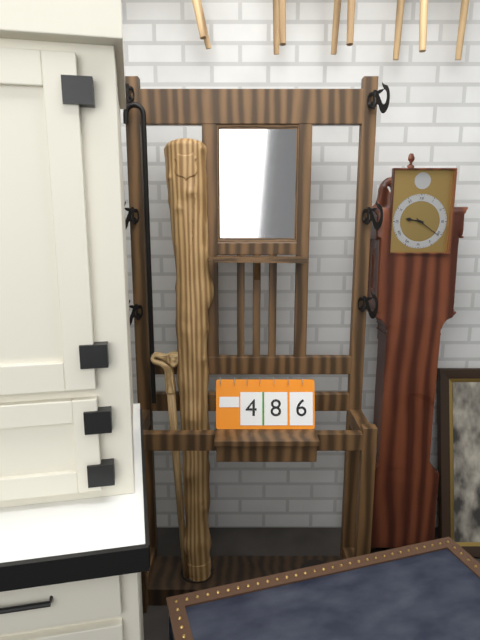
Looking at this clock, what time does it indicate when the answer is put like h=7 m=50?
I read h=9 m=21
